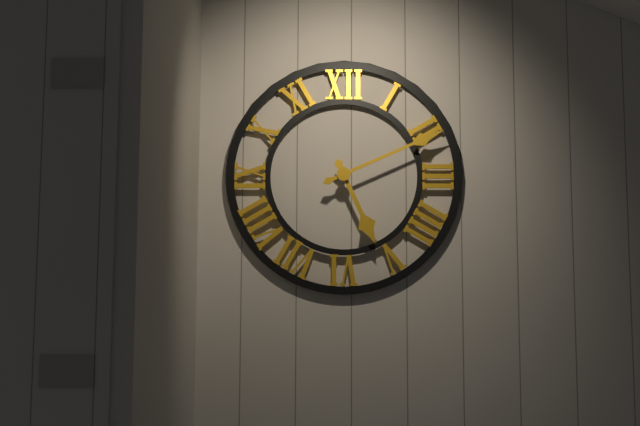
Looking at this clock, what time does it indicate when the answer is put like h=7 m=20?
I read h=5 m=11
